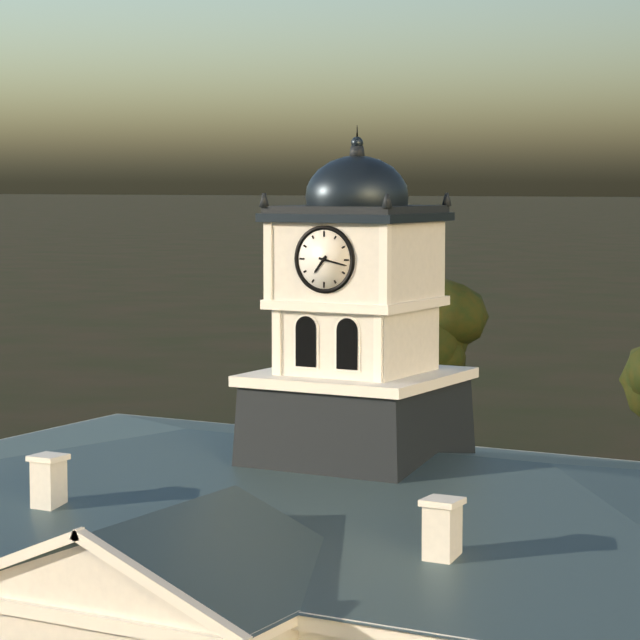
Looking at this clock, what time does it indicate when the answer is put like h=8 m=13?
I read h=7 m=17
